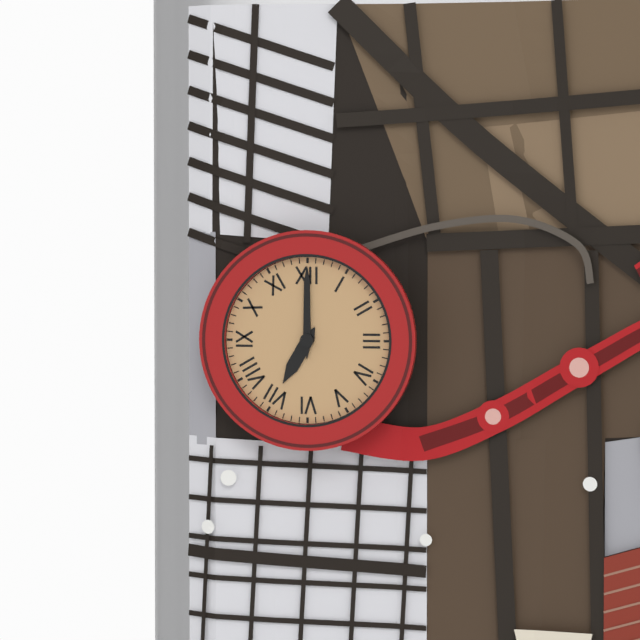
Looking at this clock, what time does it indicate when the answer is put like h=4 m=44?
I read h=7 m=0
